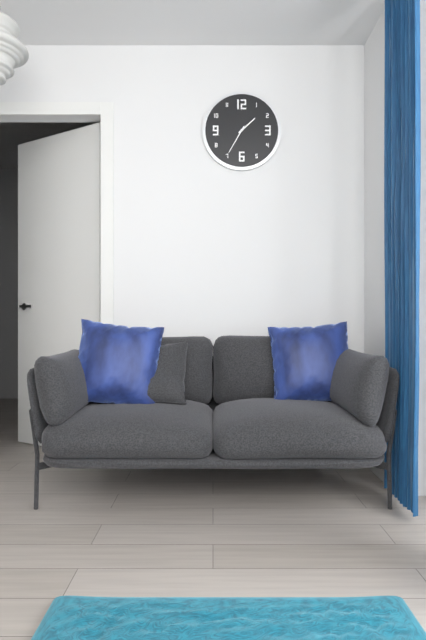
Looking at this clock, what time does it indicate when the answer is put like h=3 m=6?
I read h=1 m=35
